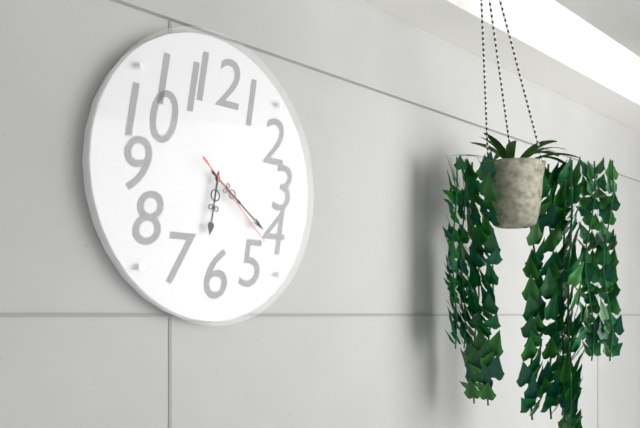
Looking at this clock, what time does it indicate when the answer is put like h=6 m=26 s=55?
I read h=6 m=21 s=22
